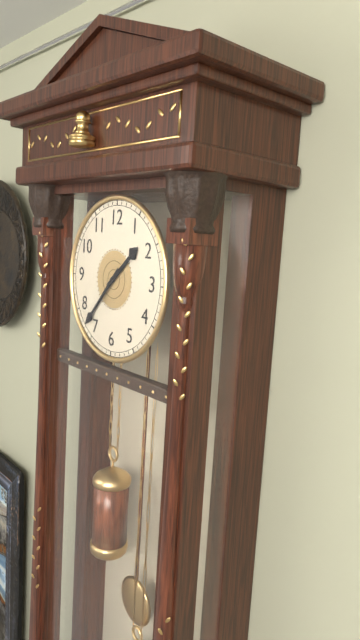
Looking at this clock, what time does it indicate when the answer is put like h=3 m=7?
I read h=1 m=37
